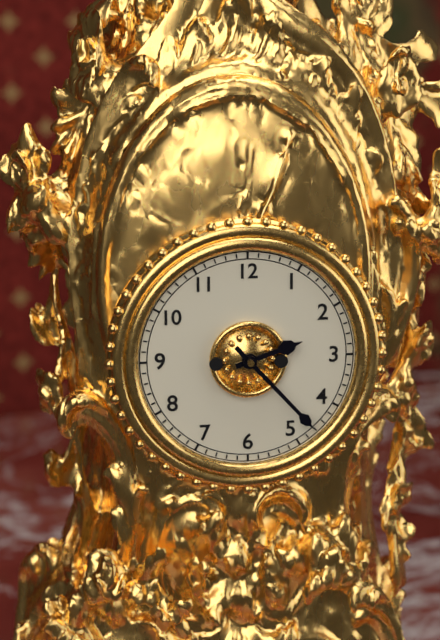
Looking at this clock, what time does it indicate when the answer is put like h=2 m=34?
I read h=2 m=23
